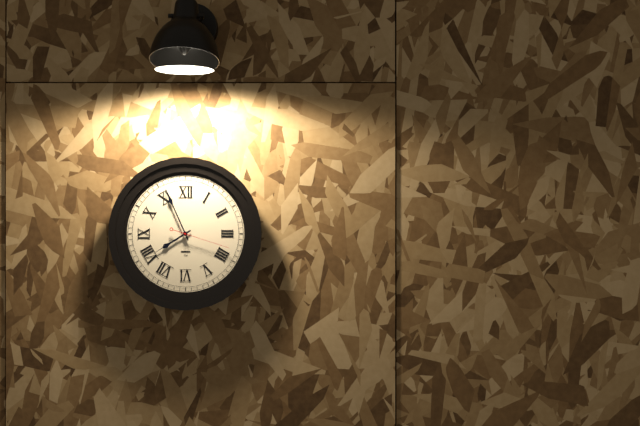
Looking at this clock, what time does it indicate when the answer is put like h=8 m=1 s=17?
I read h=7 m=56 s=18
